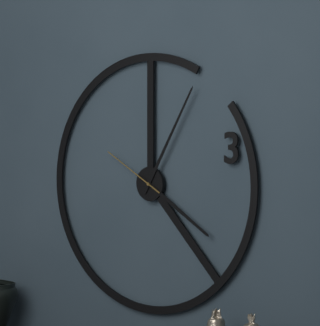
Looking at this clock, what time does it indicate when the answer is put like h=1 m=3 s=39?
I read h=4 m=5 s=50
